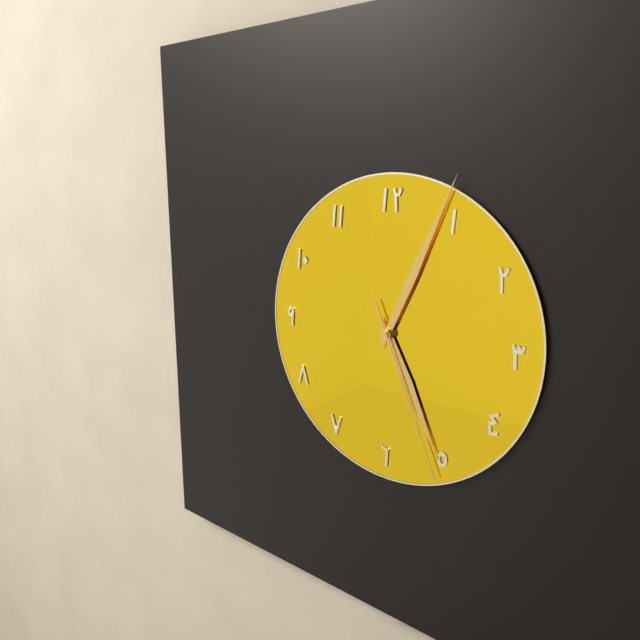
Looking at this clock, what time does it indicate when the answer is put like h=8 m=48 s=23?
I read h=5 m=4 s=26
